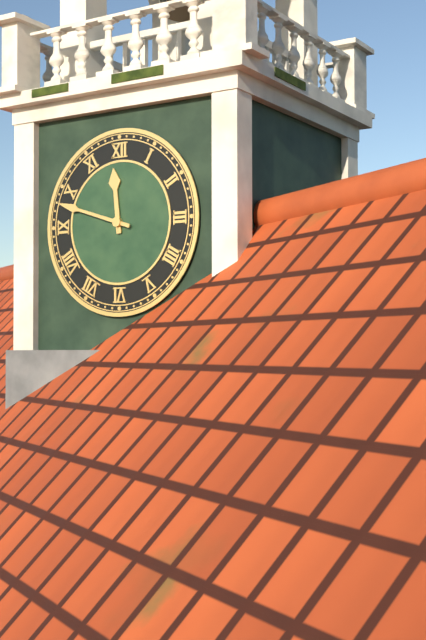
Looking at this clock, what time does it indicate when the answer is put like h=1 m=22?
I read h=11 m=48
